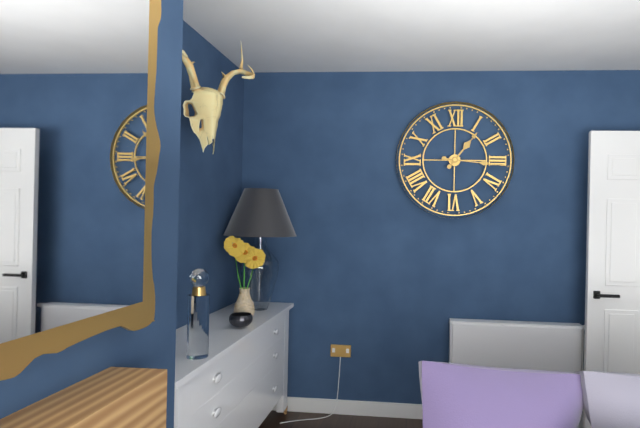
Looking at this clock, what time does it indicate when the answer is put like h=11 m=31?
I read h=1 m=16
